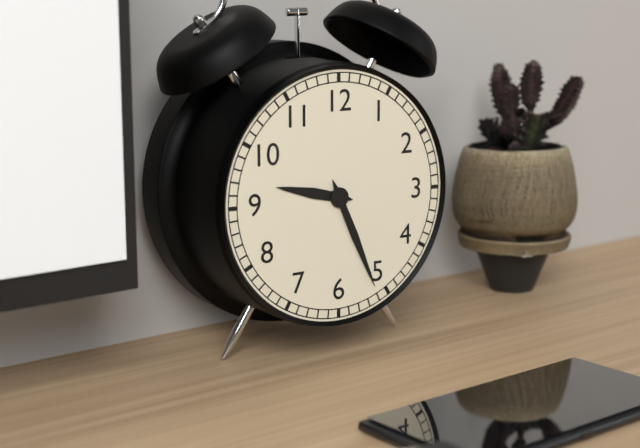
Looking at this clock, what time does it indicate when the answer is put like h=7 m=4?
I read h=9 m=26
